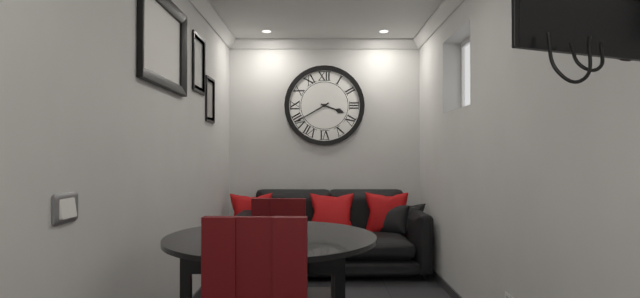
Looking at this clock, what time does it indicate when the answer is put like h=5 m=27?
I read h=3 m=40
